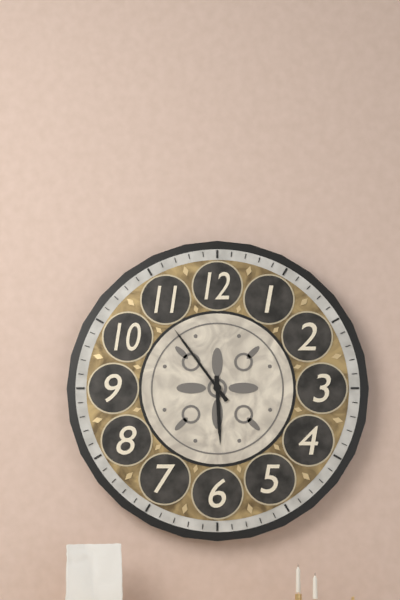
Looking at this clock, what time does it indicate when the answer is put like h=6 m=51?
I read h=5 m=54
